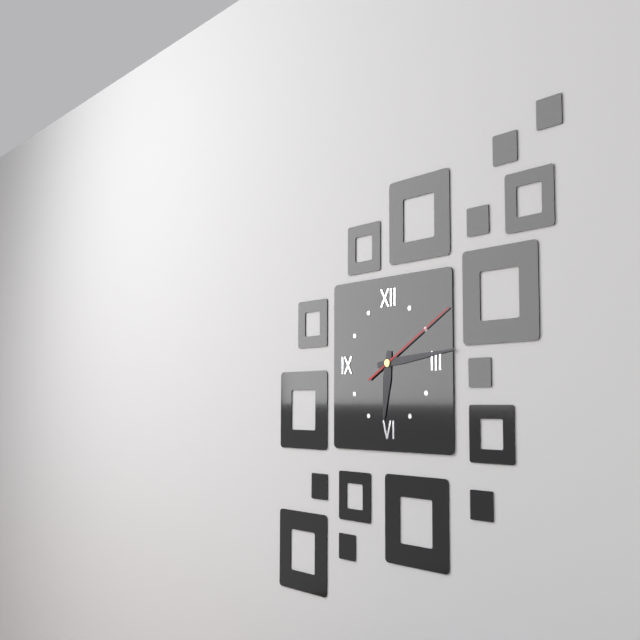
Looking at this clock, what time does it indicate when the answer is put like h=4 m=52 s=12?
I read h=6 m=14 s=10
